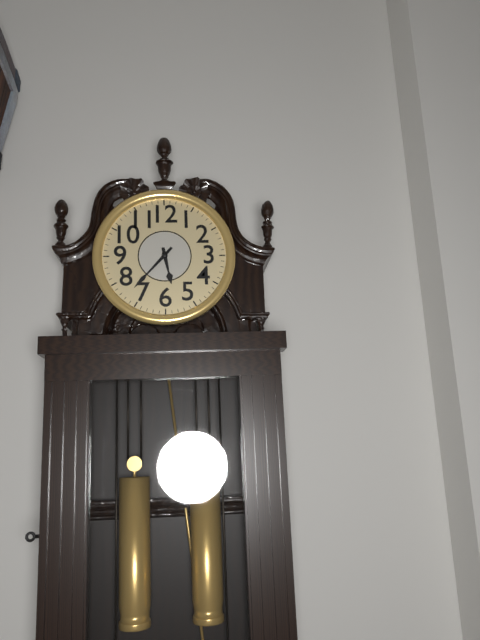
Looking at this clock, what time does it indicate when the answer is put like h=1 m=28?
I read h=5 m=37
